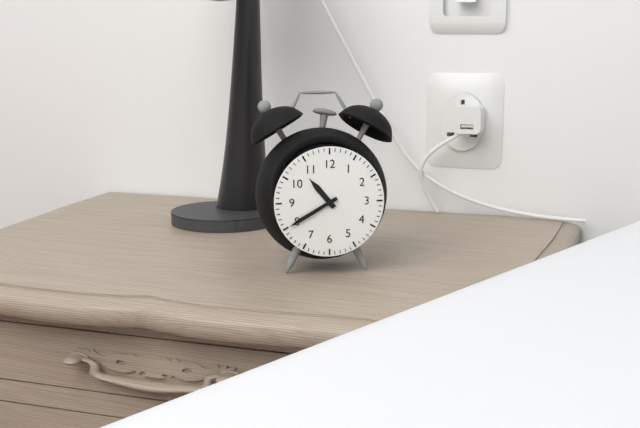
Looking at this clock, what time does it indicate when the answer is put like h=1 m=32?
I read h=10 m=40
